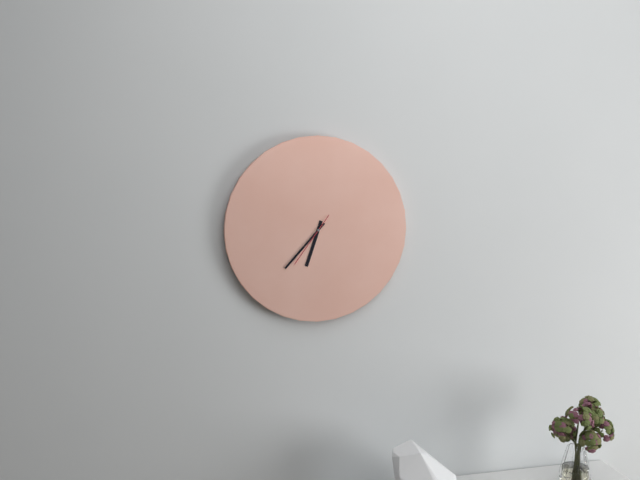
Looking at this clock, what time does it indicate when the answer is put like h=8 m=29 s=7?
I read h=6 m=37 s=36
